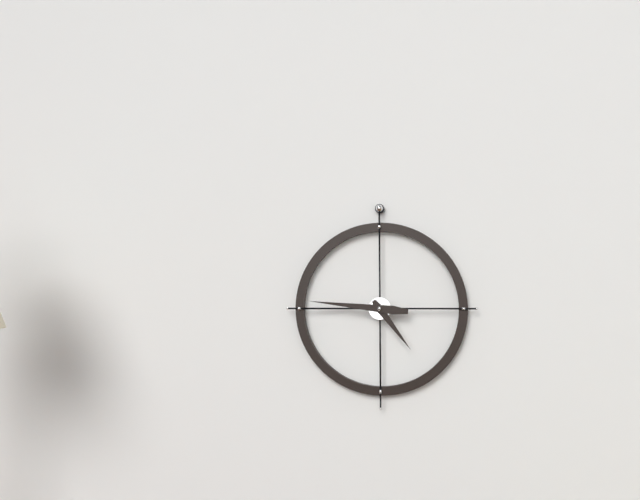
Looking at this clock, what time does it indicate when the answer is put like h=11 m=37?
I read h=4 m=46
